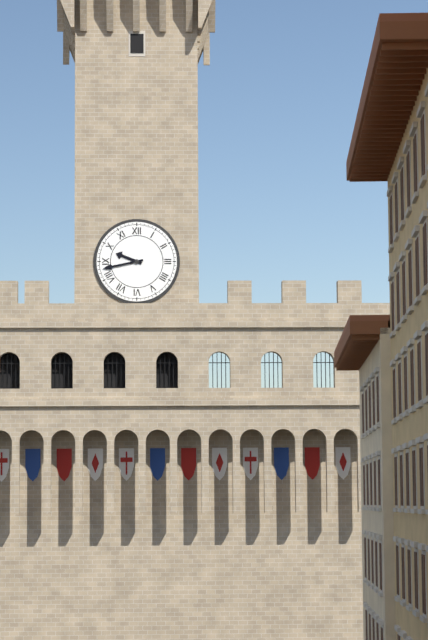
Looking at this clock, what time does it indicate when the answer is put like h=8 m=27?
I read h=9 m=43
